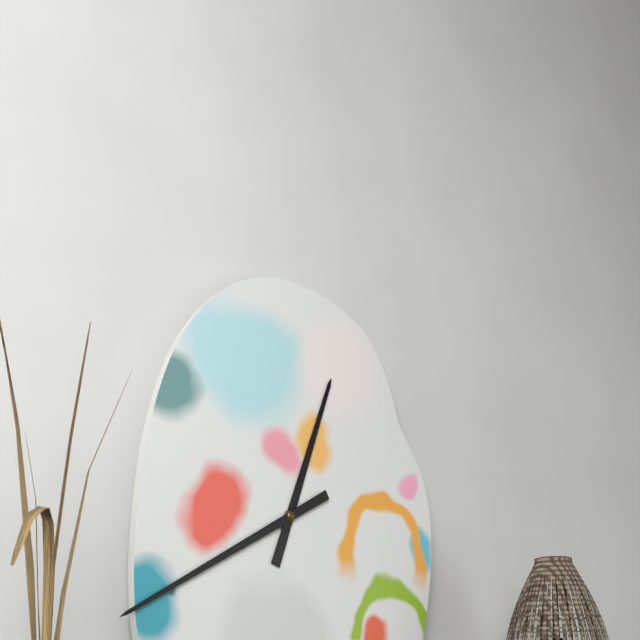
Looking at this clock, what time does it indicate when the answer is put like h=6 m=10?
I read h=12 m=40
